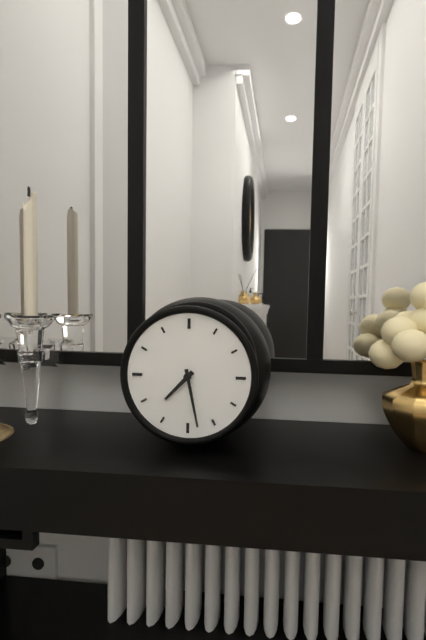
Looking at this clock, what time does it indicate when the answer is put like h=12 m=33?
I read h=7 m=28
